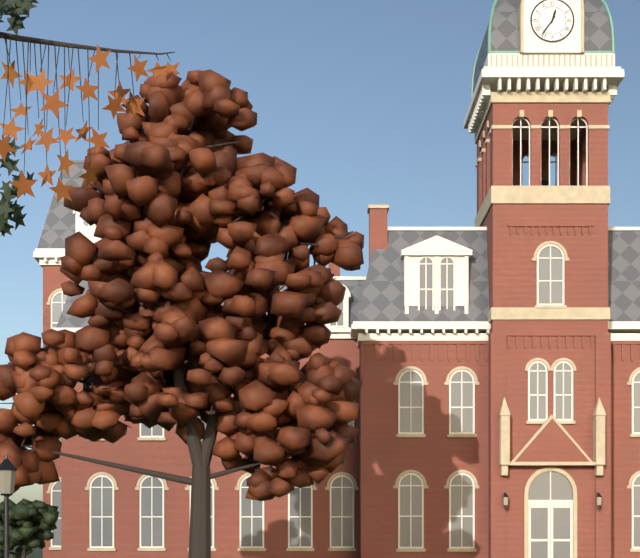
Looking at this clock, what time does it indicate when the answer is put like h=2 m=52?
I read h=12 m=36
